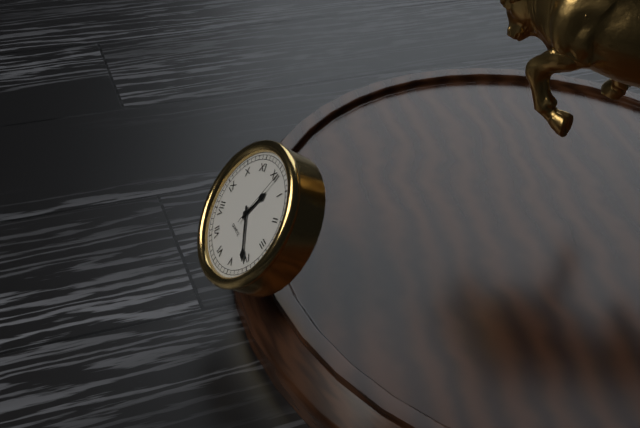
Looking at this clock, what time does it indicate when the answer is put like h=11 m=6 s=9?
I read h=12 m=21 s=1
